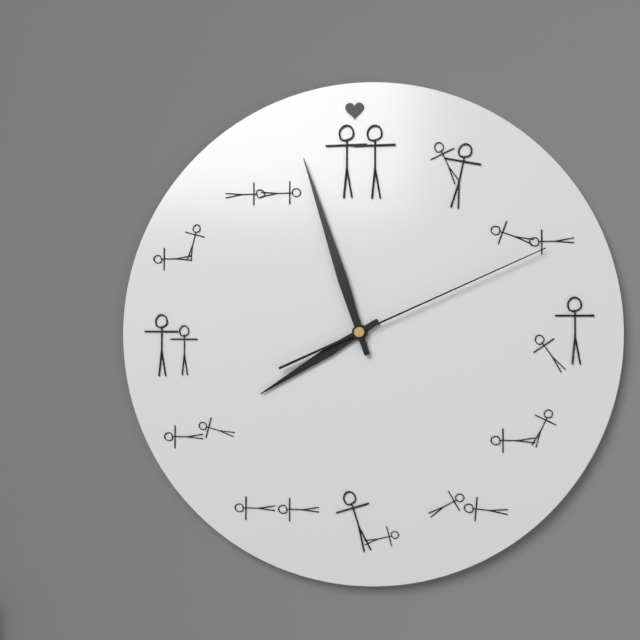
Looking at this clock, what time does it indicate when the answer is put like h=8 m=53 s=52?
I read h=7 m=57 s=11
